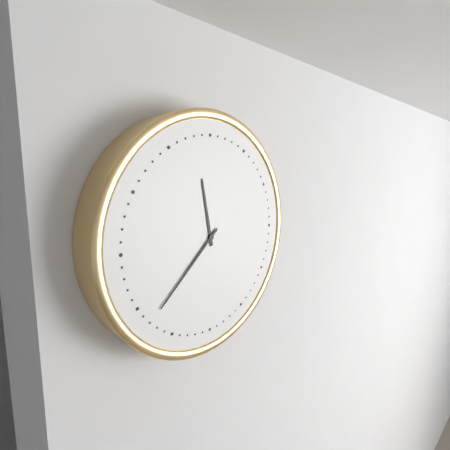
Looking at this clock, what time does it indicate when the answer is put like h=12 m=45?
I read h=11 m=38
